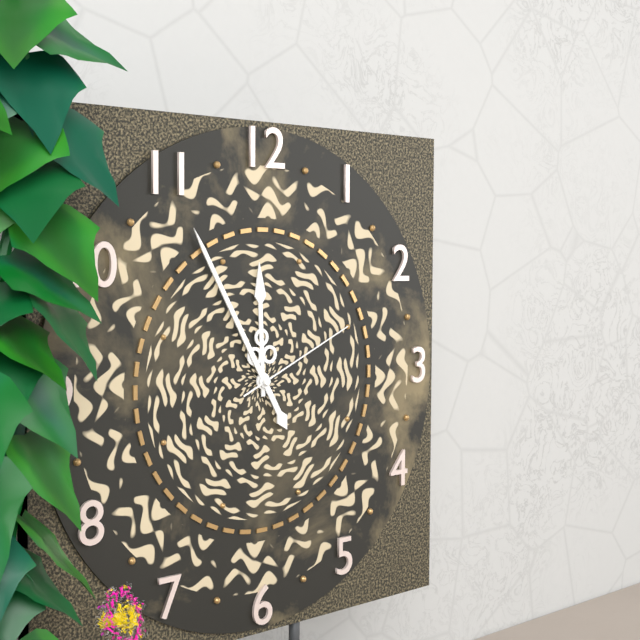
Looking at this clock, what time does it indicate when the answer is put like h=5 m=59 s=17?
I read h=11 m=55 s=11
